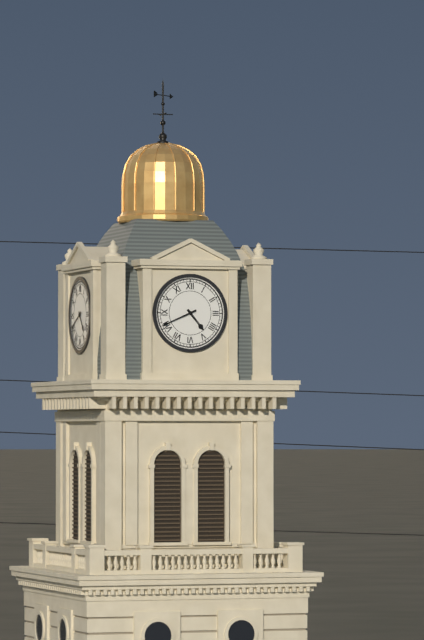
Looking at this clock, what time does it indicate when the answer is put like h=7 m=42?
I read h=4 m=41
